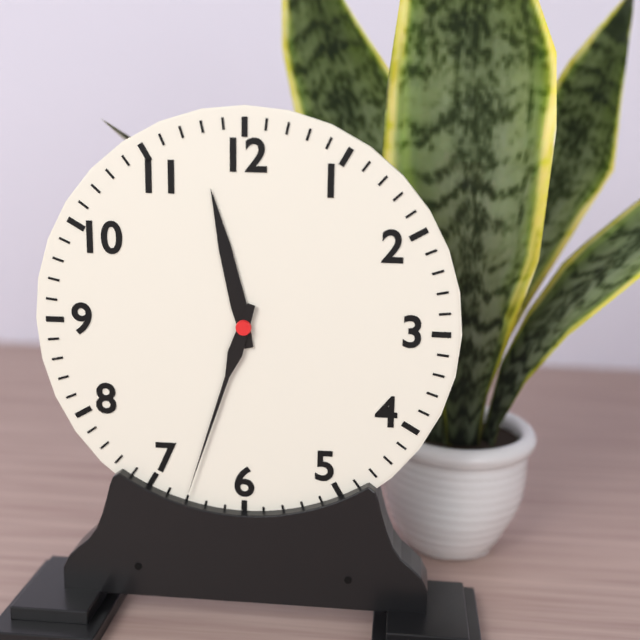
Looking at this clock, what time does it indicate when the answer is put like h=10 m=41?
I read h=11 m=33
